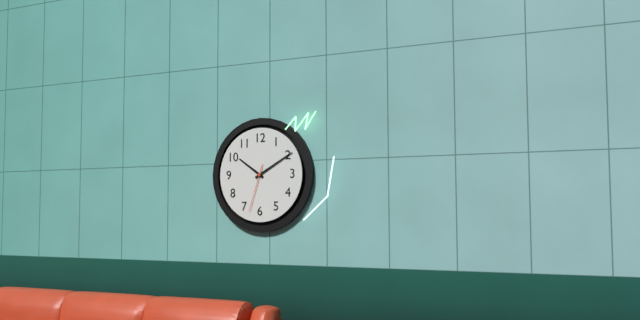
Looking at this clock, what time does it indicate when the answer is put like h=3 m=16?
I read h=10 m=10
